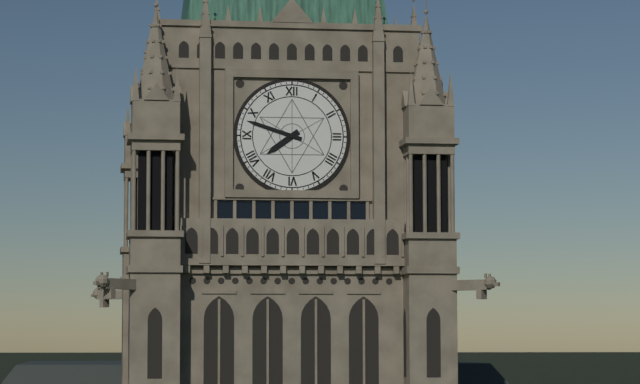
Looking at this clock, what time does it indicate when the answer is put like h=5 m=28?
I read h=7 m=48
